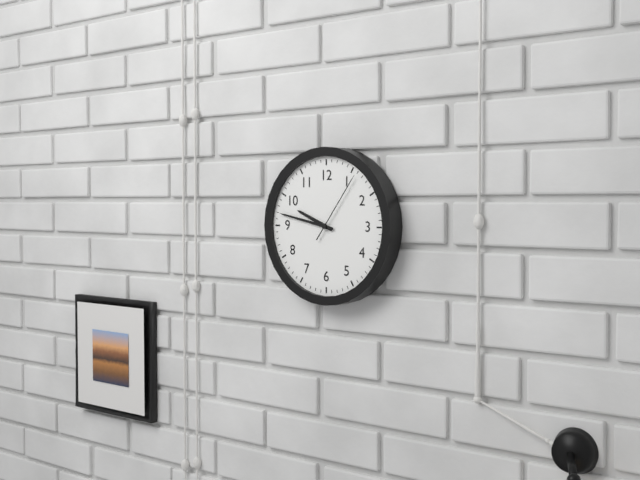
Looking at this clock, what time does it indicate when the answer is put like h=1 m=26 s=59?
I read h=9 m=47 s=6
